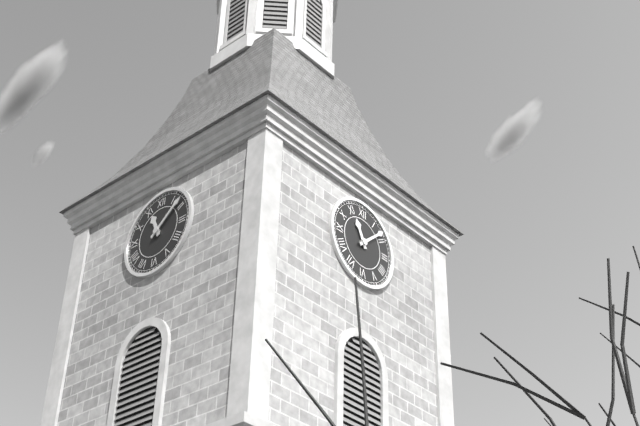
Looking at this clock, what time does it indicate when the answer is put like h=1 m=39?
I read h=11 m=8
